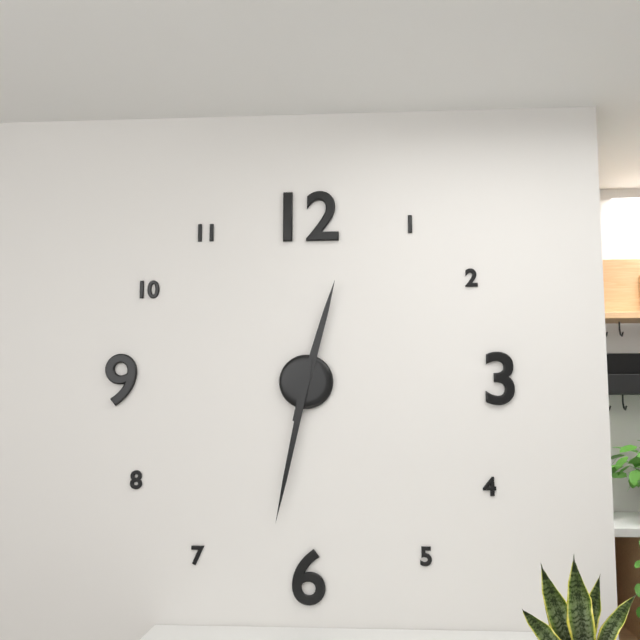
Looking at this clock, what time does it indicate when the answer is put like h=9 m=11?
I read h=12 m=32
